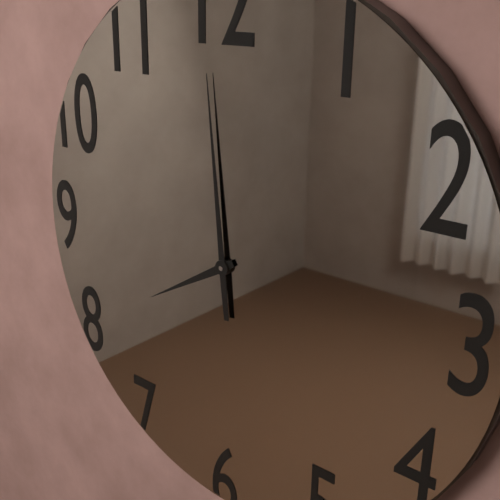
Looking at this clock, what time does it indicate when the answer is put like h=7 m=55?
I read h=7 m=59
